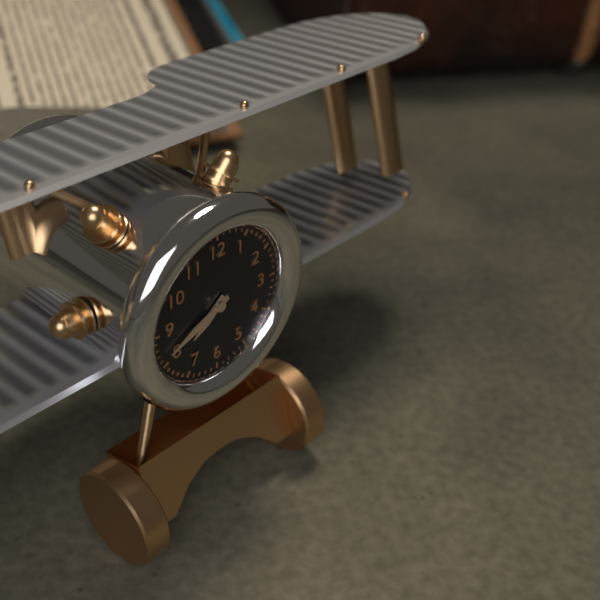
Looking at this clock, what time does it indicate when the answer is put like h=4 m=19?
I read h=7 m=41
